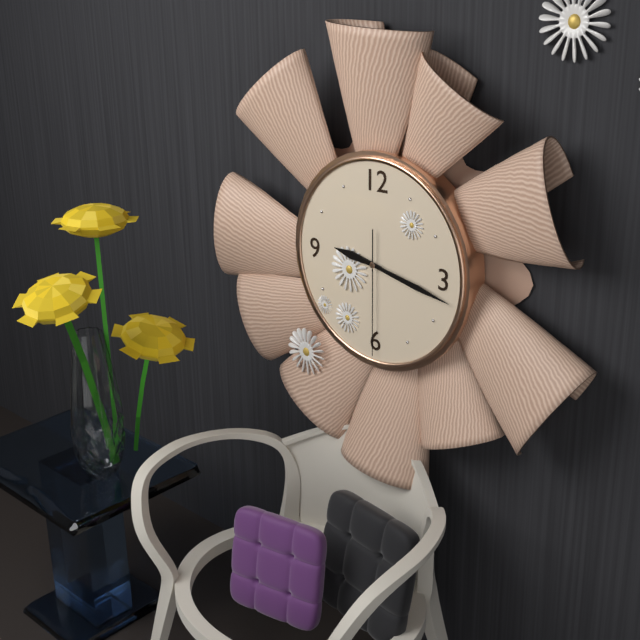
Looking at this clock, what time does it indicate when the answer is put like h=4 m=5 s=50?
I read h=9 m=17 s=30
